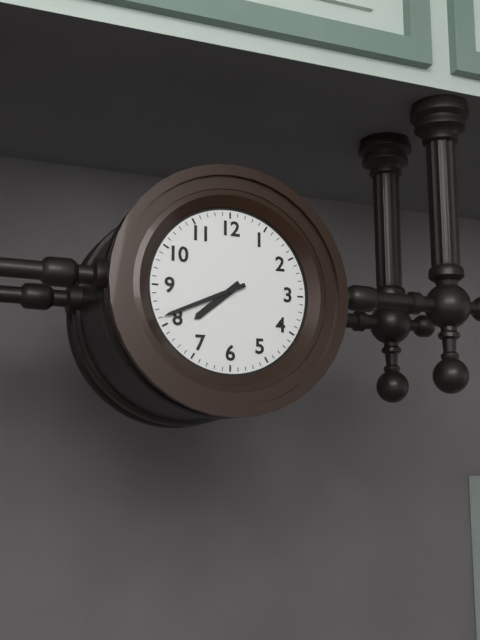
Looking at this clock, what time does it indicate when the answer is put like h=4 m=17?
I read h=7 m=41
